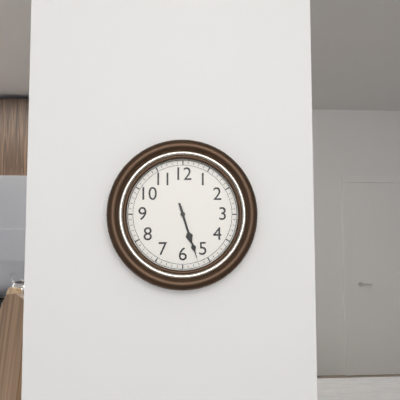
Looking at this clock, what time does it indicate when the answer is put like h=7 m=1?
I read h=5 m=27
